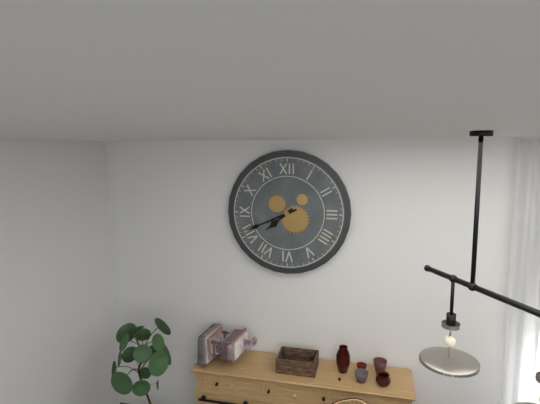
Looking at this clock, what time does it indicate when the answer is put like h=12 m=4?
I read h=7 m=41
